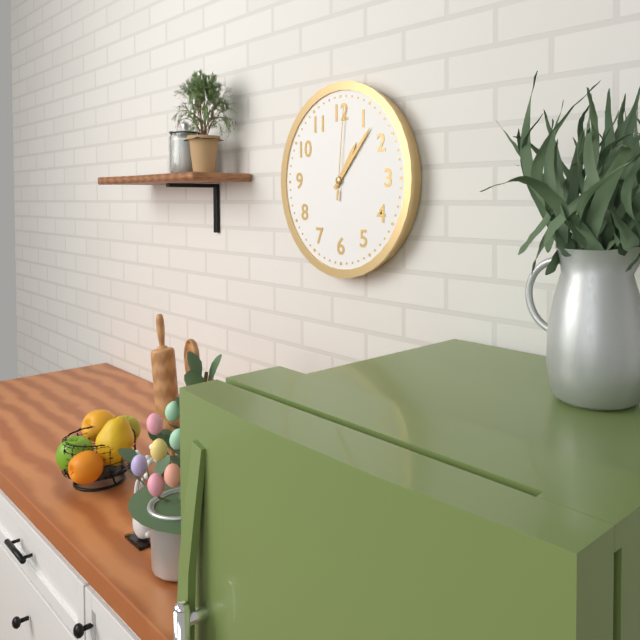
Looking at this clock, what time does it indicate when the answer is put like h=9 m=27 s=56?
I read h=1 m=7 s=1
